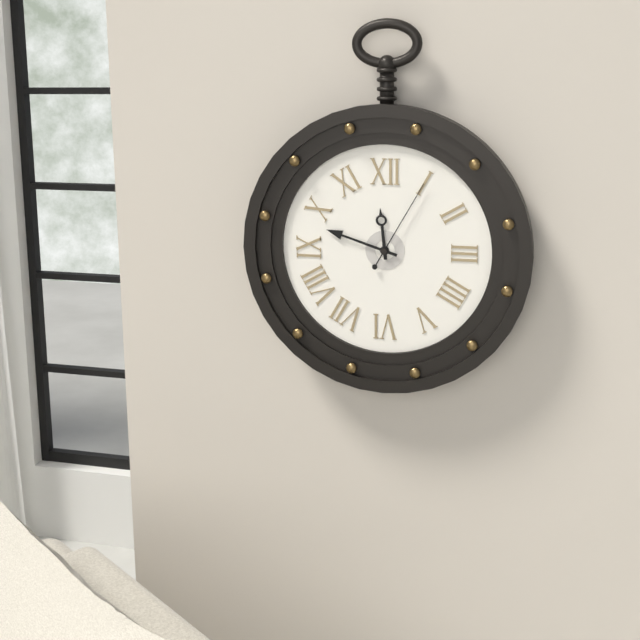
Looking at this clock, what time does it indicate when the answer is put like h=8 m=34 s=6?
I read h=11 m=48 s=5
